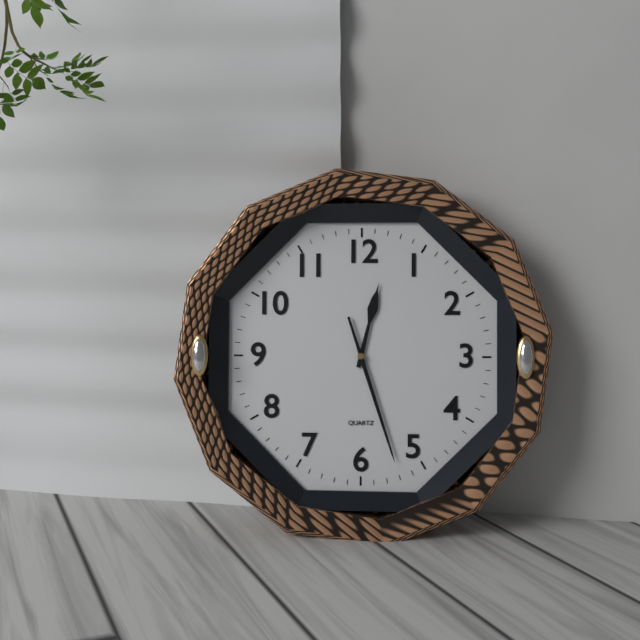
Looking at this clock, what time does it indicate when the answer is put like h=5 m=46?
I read h=12 m=27
